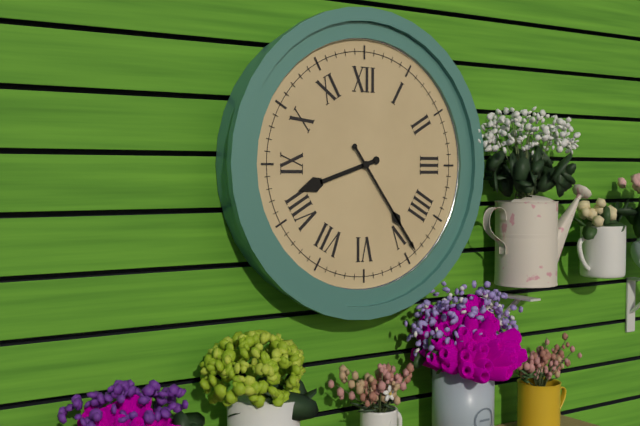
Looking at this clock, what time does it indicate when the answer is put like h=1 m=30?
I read h=8 m=24
